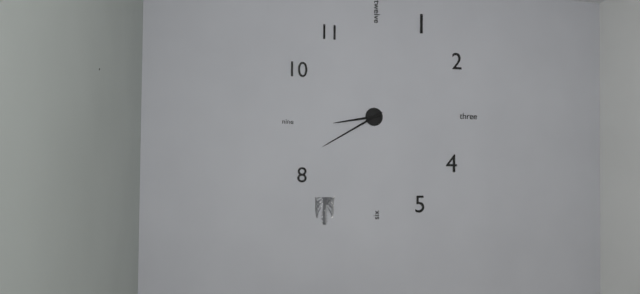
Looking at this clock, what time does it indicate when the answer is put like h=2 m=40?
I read h=8 m=40
